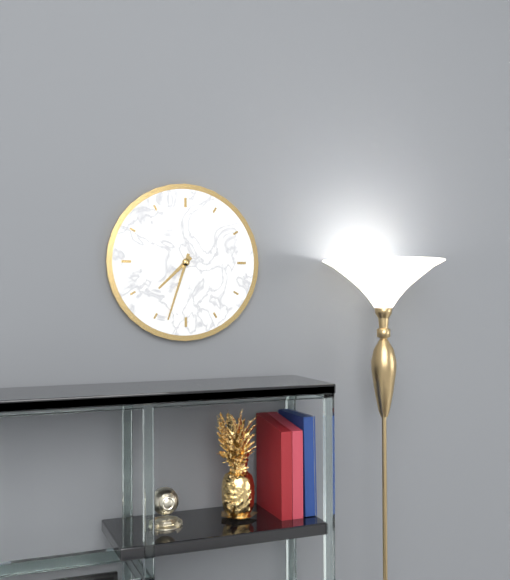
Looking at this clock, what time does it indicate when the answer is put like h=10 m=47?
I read h=7 m=33
